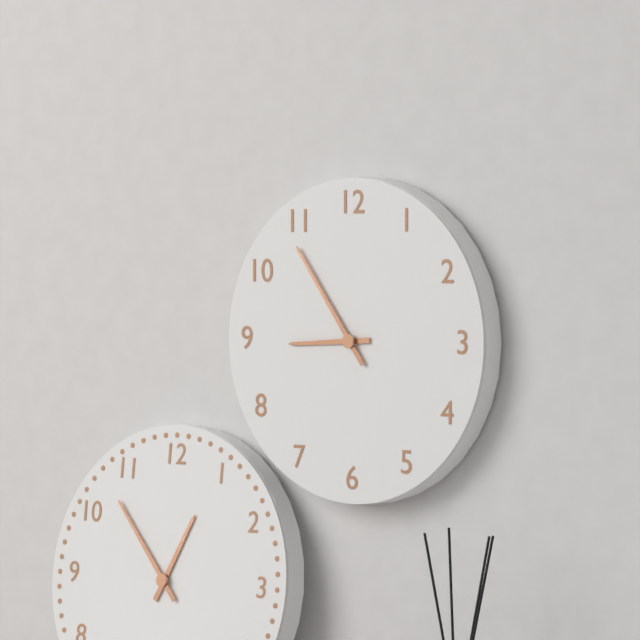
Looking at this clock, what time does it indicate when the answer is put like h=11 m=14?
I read h=8 m=54
